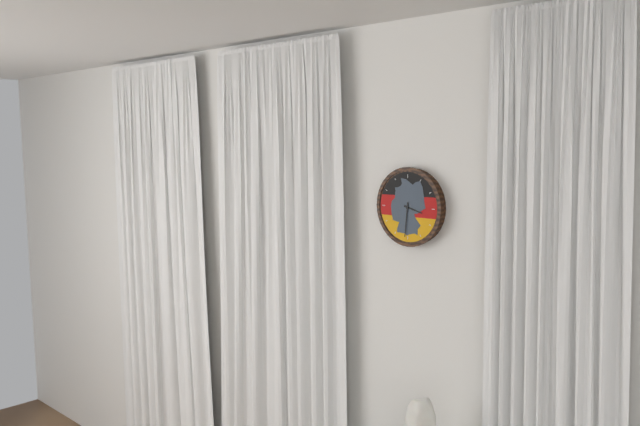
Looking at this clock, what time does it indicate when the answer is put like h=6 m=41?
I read h=3 m=31
